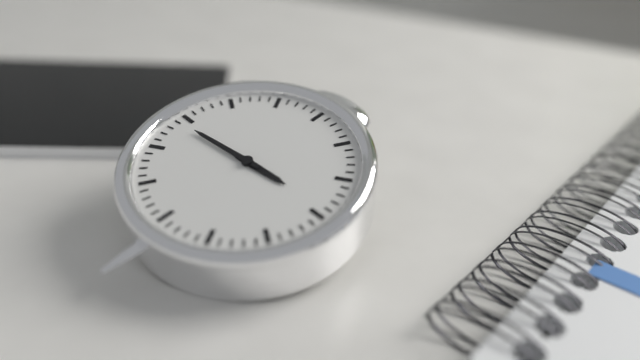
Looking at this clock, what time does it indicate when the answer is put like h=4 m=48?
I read h=3 m=49
